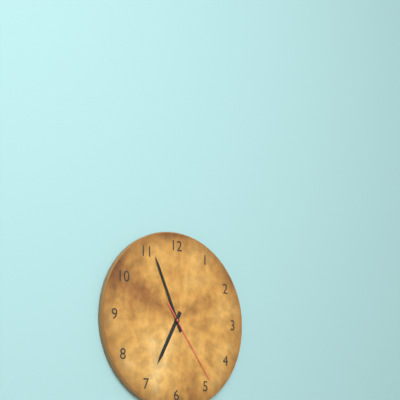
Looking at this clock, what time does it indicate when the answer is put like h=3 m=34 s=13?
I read h=6 m=56 s=24
